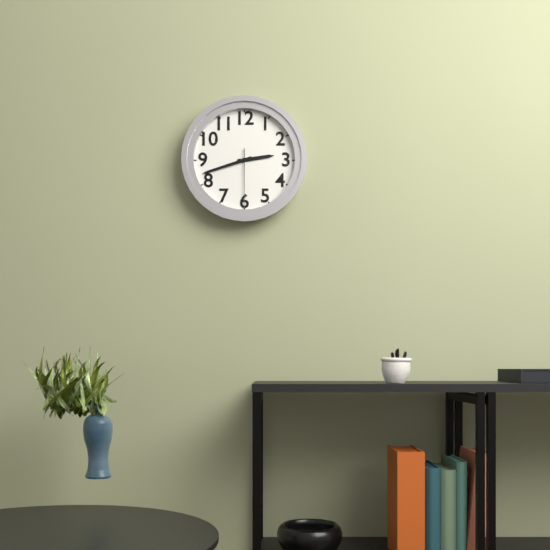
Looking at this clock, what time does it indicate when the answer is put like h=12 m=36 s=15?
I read h=2 m=42 s=30
